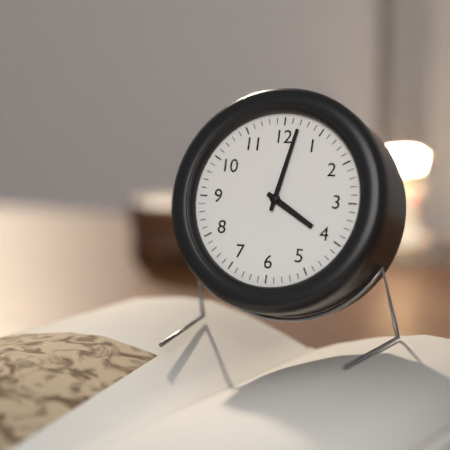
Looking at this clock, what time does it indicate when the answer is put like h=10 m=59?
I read h=4 m=2
